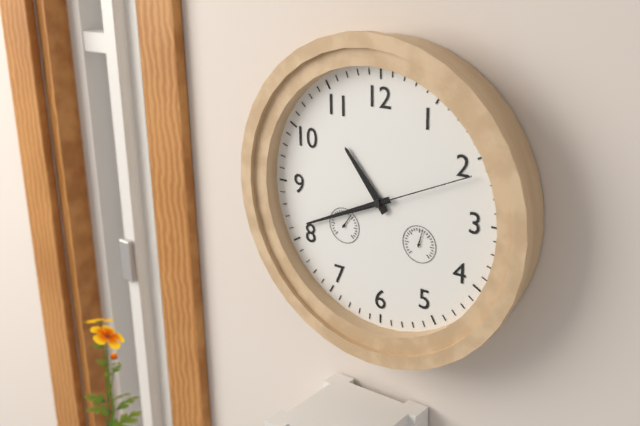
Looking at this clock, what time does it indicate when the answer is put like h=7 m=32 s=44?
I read h=10 m=41 s=11
